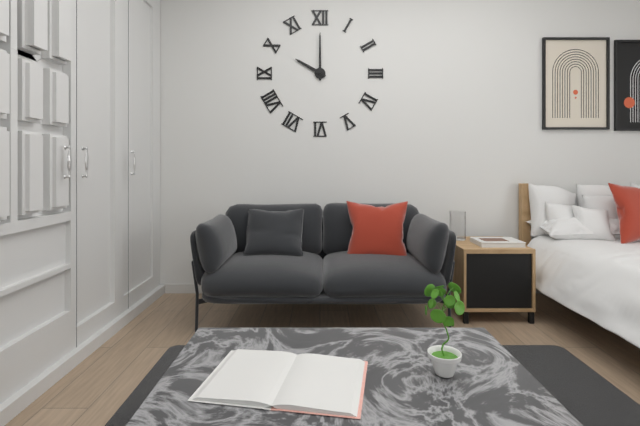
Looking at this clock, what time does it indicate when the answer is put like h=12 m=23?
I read h=10 m=0
